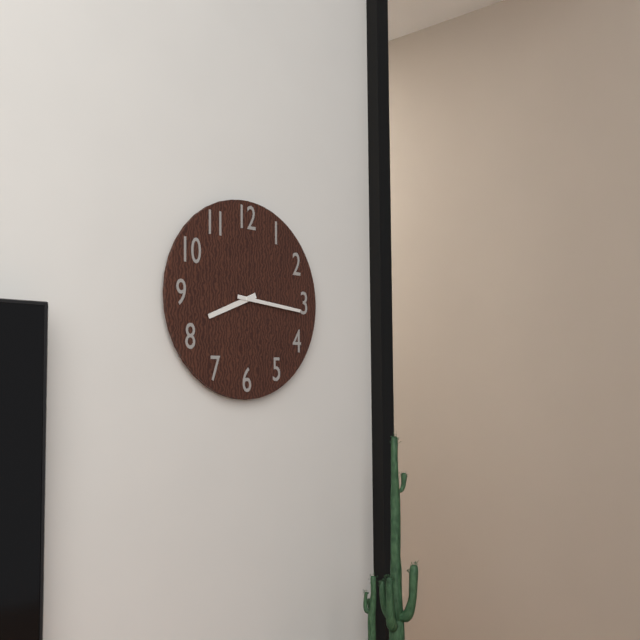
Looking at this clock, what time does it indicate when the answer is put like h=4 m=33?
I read h=8 m=16
